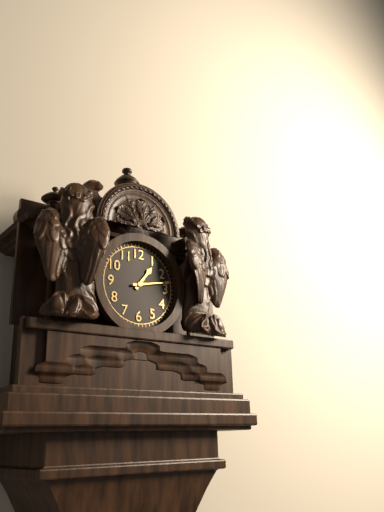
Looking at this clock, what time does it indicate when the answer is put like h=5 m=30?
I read h=1 m=13
